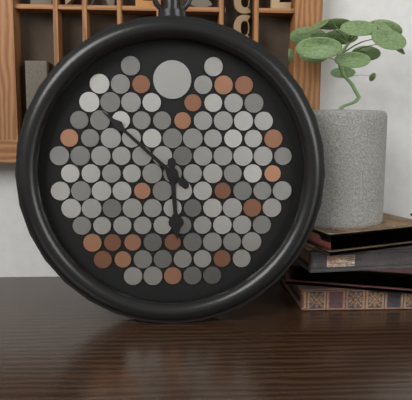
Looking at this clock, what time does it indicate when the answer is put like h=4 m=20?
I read h=5 m=52
